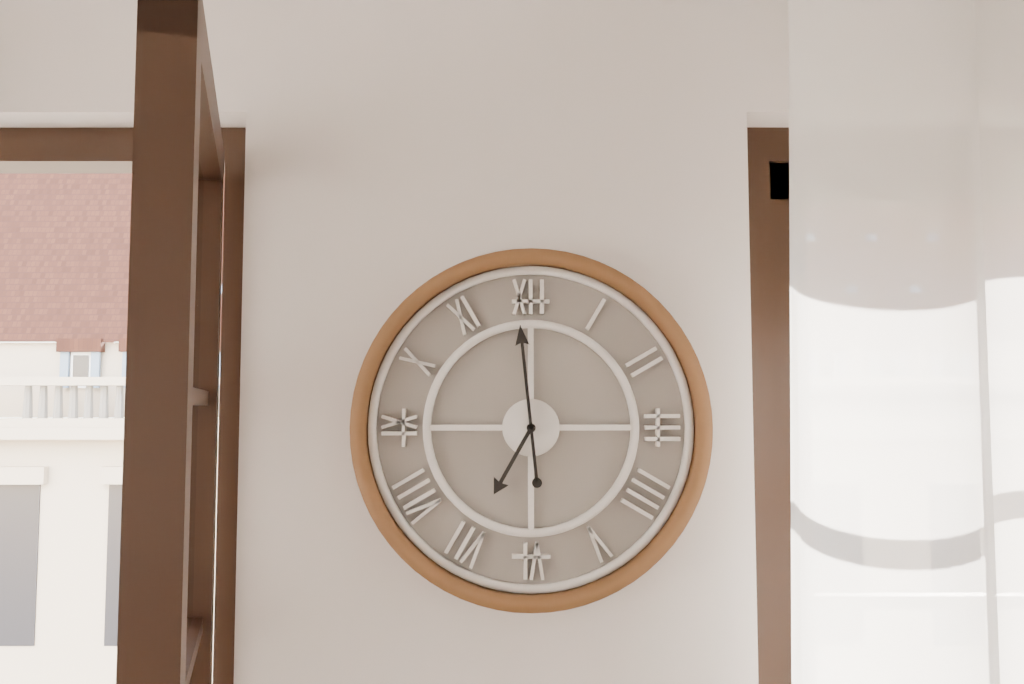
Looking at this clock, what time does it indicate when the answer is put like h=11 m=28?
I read h=6 m=59
